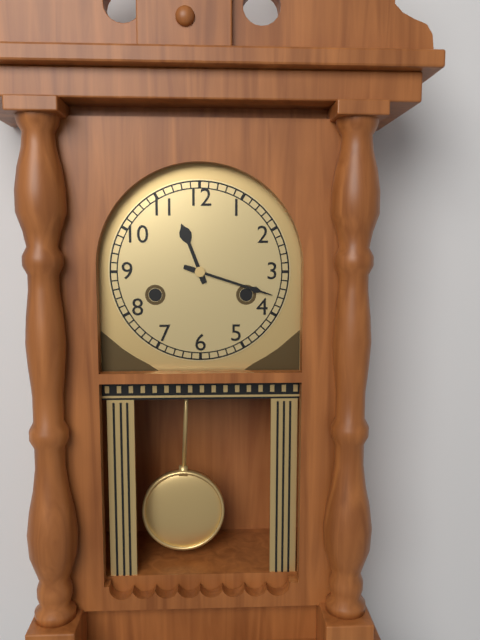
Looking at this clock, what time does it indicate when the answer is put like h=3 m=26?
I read h=11 m=18
